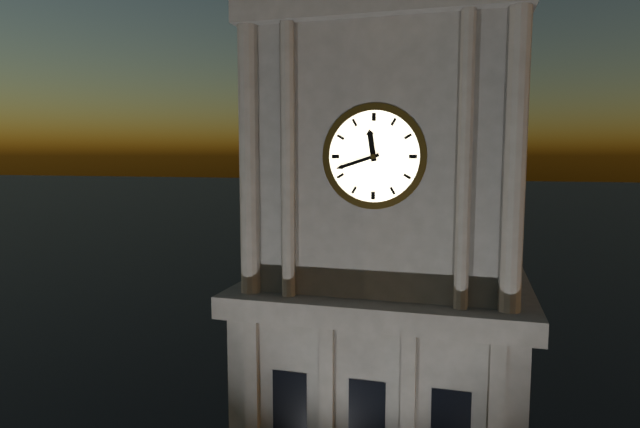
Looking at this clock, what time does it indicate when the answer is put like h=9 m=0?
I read h=11 m=42
